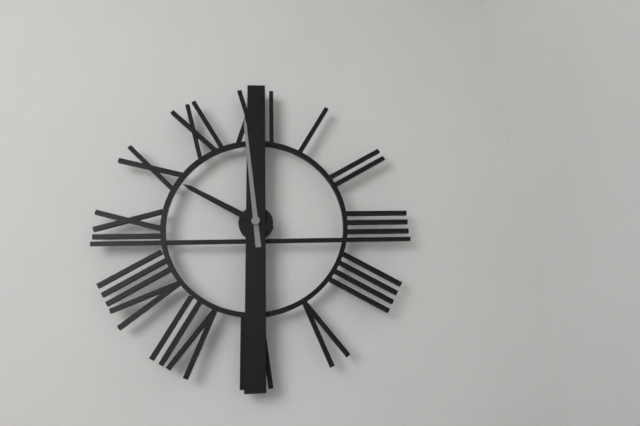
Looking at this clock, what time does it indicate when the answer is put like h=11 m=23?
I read h=9 m=59
